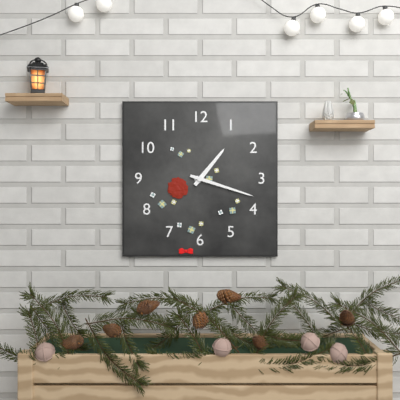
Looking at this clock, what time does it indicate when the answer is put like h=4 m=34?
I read h=1 m=18
